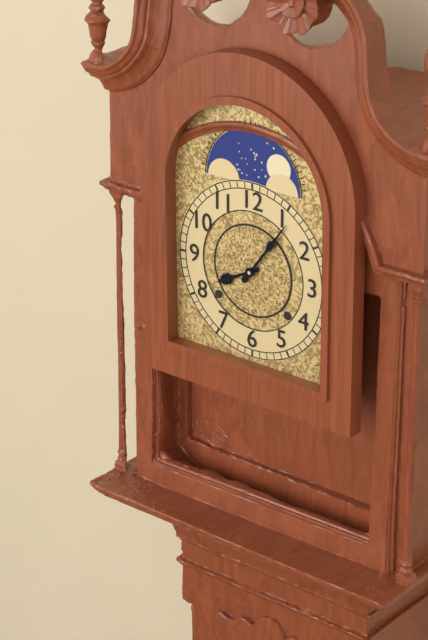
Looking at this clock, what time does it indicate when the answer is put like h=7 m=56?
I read h=8 m=6
